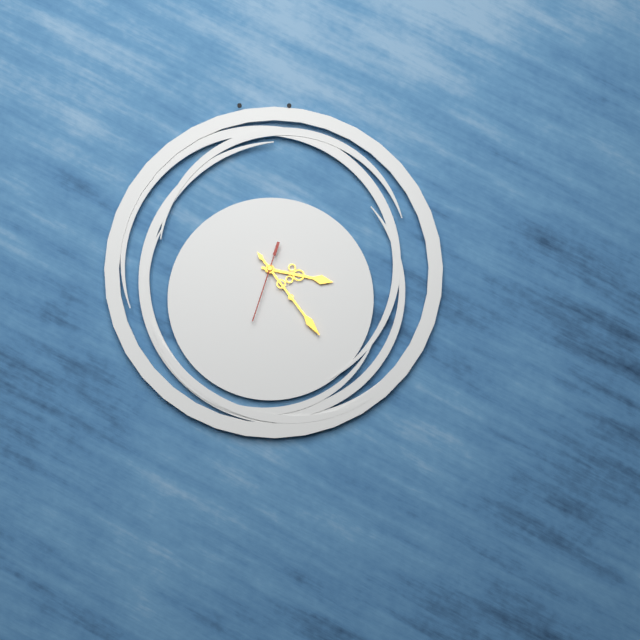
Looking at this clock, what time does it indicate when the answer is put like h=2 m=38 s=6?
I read h=3 m=24 s=33
